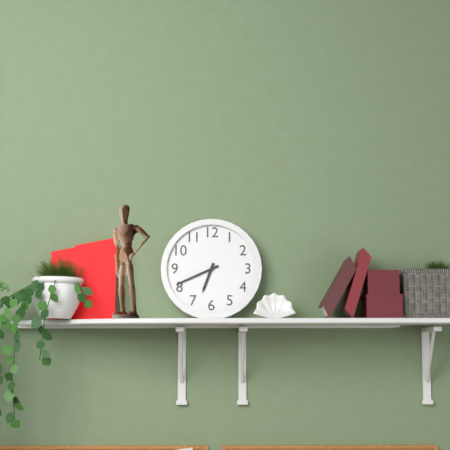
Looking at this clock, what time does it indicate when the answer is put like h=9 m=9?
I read h=6 m=41
